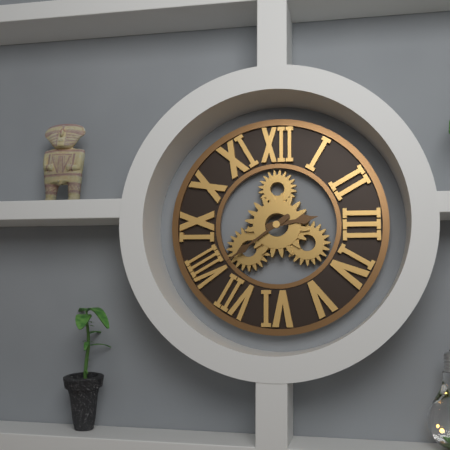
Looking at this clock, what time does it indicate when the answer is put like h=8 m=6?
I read h=2 m=39
